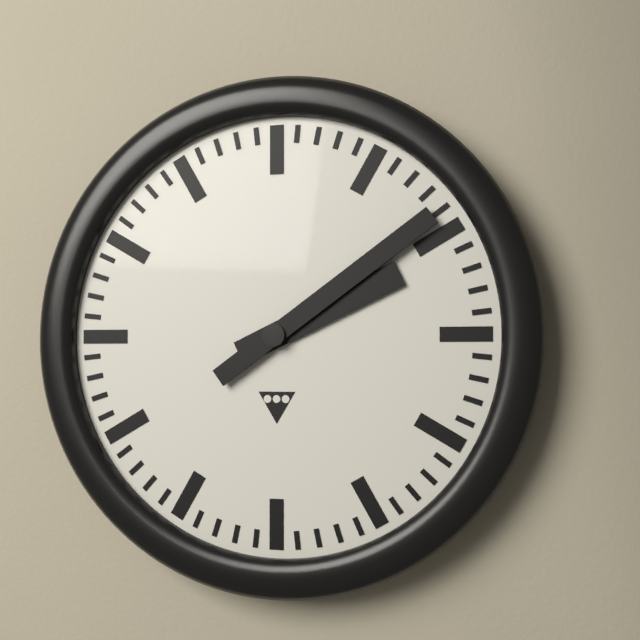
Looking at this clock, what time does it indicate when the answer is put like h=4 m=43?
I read h=2 m=9
